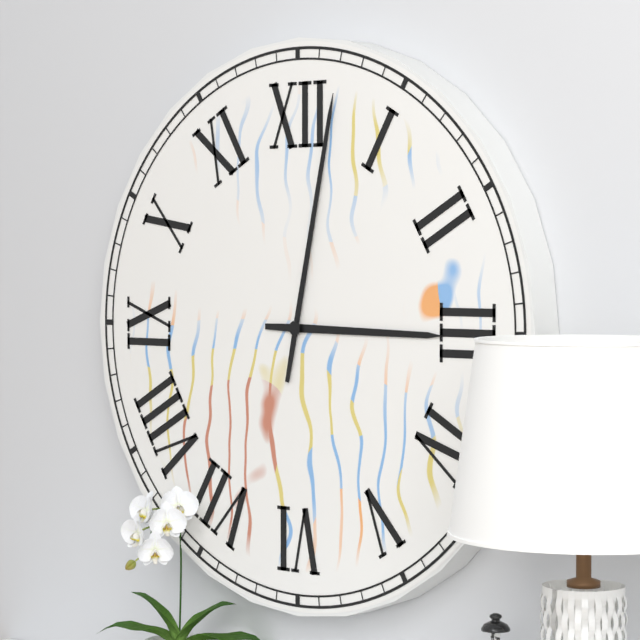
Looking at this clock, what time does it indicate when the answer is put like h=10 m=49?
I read h=3 m=2
